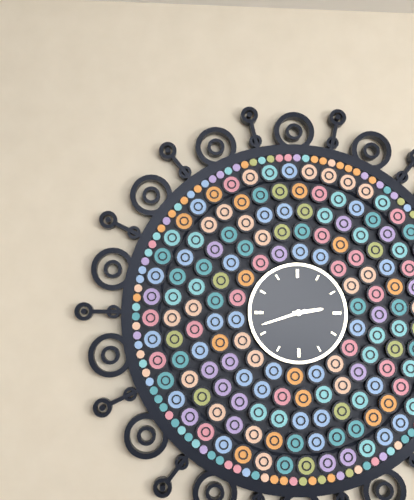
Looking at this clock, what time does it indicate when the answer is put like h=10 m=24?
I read h=2 m=42
